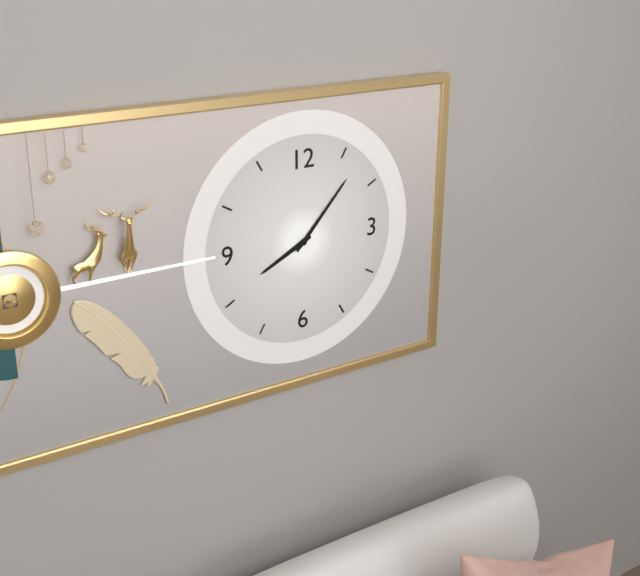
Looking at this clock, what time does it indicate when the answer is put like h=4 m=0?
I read h=8 m=7
